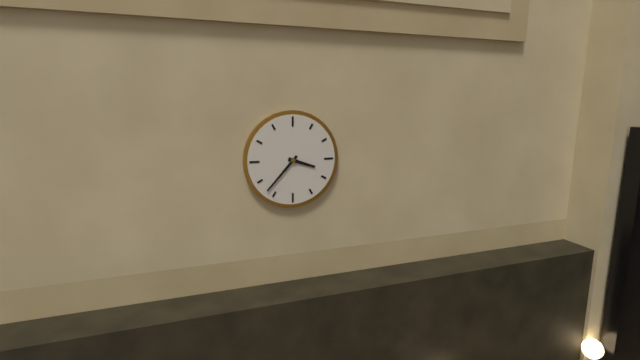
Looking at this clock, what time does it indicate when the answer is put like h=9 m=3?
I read h=3 m=37
